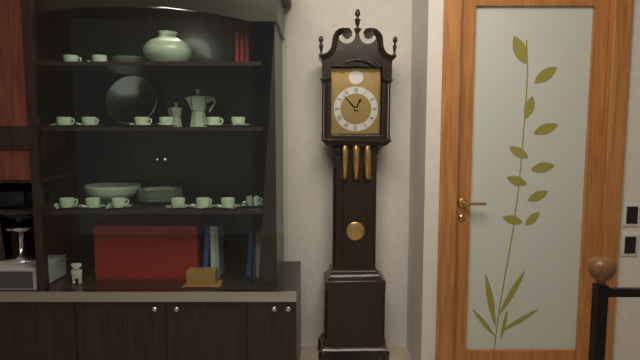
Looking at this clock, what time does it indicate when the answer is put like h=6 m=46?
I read h=12 m=53
